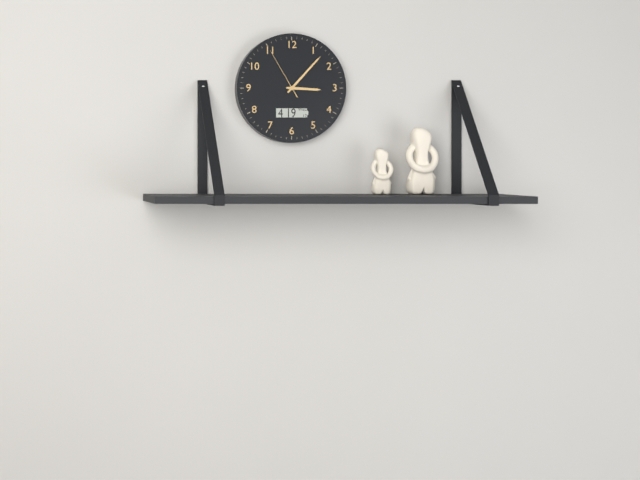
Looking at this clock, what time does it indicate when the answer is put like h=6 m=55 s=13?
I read h=3 m=7 s=55
